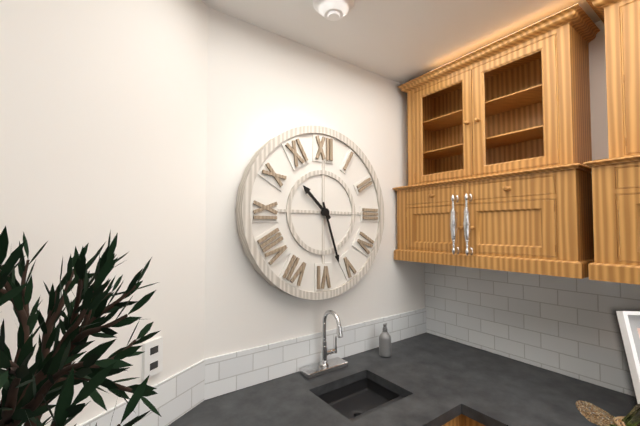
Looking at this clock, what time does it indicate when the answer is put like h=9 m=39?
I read h=10 m=27
